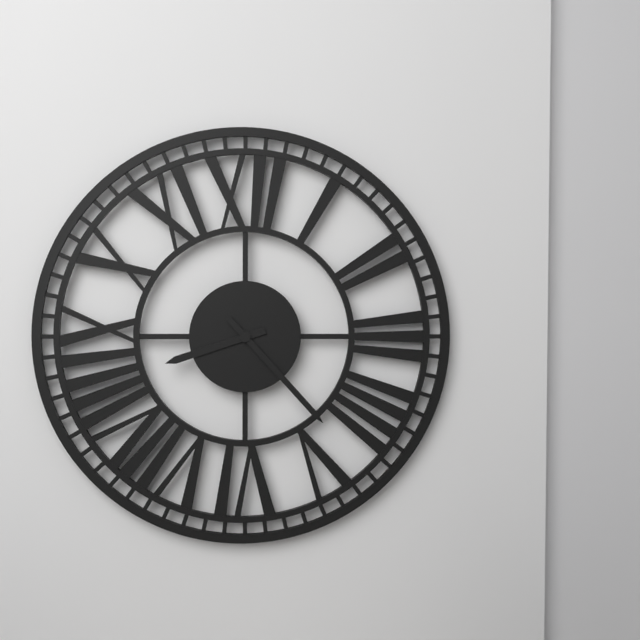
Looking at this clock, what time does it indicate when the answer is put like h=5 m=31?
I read h=8 m=23
